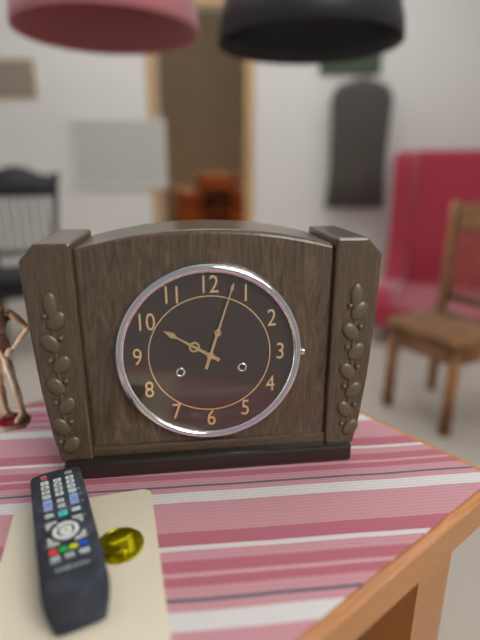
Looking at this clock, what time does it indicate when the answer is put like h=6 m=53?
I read h=10 m=3
